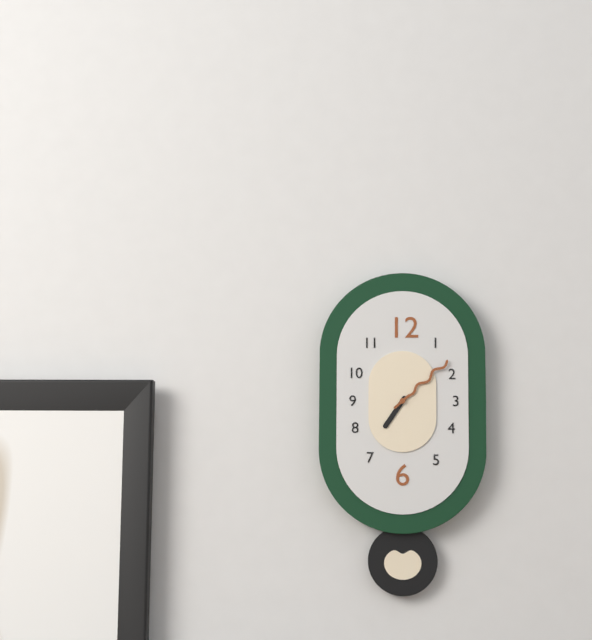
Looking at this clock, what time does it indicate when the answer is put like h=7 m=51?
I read h=7 m=8
